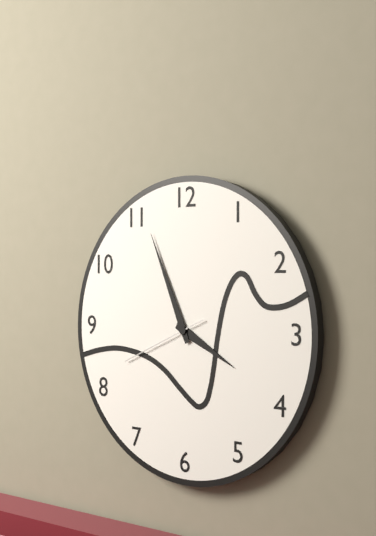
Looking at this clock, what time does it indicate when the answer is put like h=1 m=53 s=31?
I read h=3 m=56 s=41
